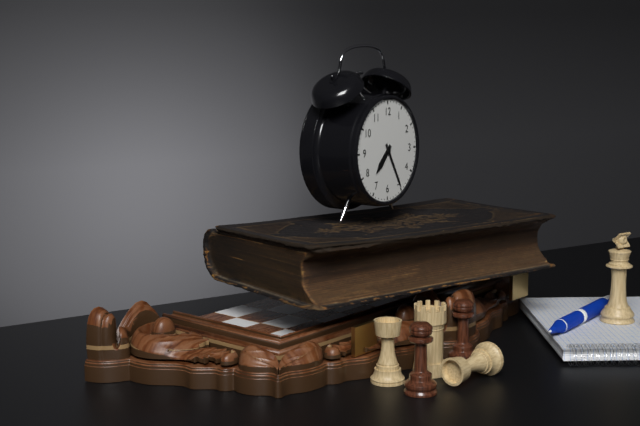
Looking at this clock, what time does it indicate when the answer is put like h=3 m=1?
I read h=7 m=25
